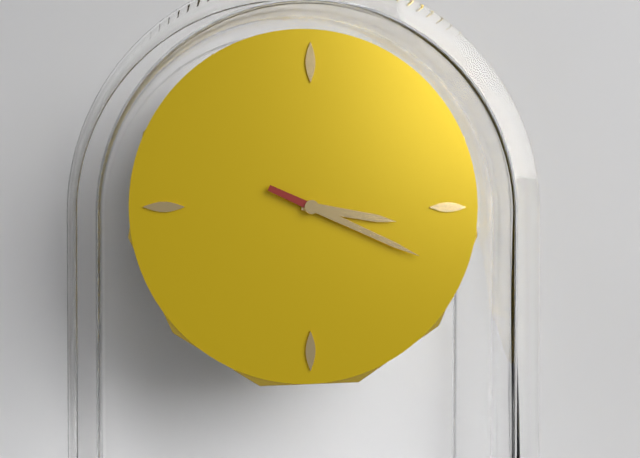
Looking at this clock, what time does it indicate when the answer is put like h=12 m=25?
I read h=3 m=19
